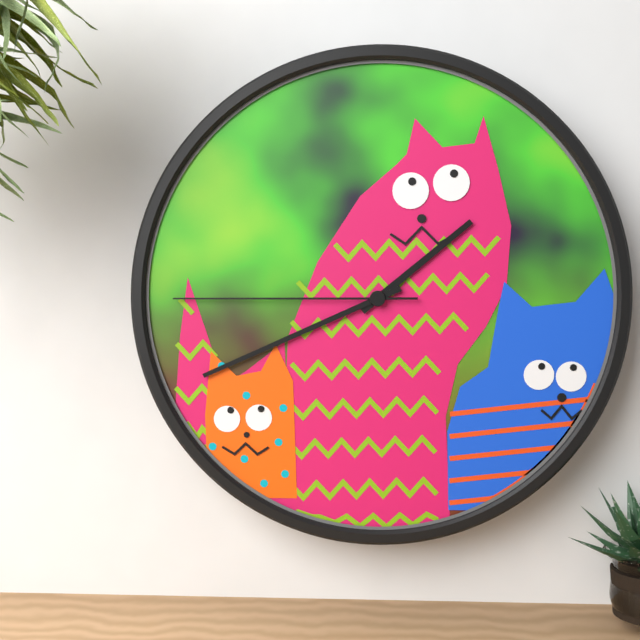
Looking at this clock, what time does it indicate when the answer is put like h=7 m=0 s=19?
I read h=1 m=41 s=45
